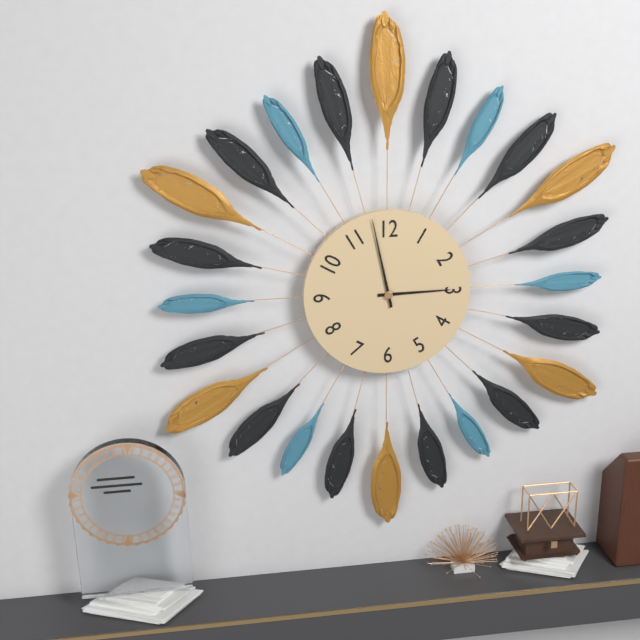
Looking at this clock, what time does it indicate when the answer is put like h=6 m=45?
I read h=2 m=58
